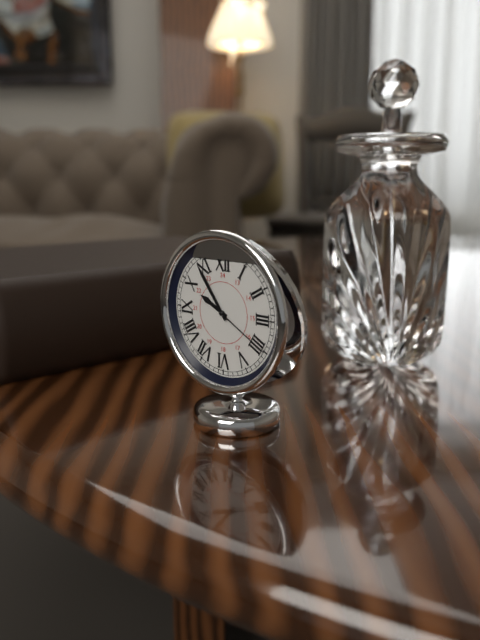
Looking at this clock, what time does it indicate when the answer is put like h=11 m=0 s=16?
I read h=9 m=54 s=20
